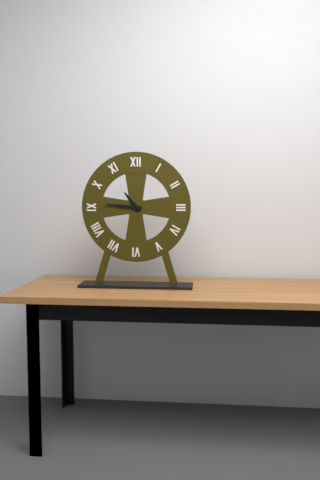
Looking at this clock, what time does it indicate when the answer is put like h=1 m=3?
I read h=10 m=46
